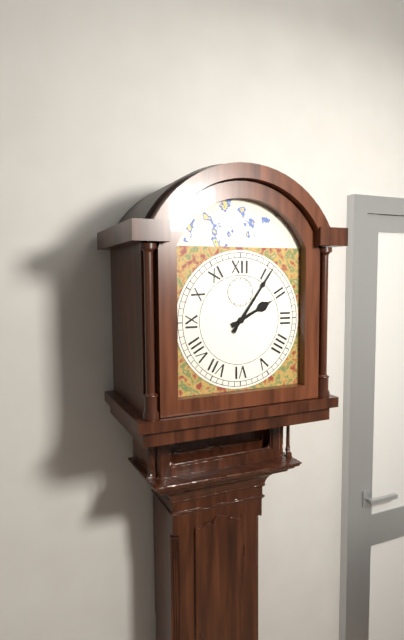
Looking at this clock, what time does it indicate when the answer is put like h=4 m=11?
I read h=2 m=6
